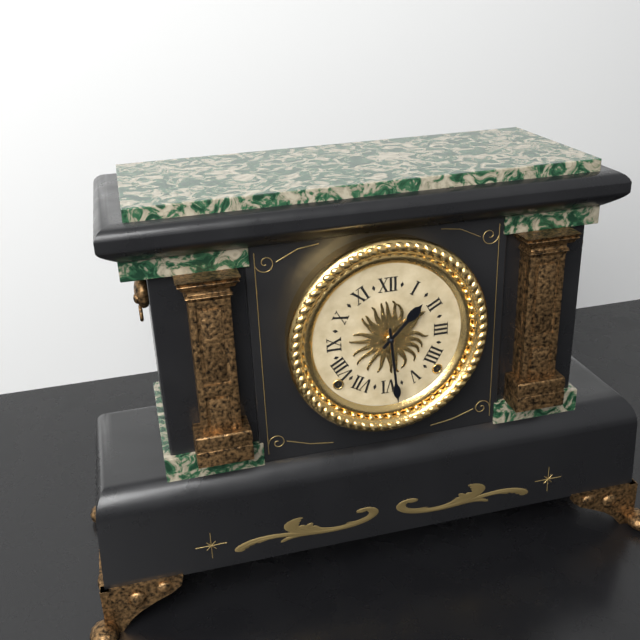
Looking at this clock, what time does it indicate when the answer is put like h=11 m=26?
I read h=1 m=29
